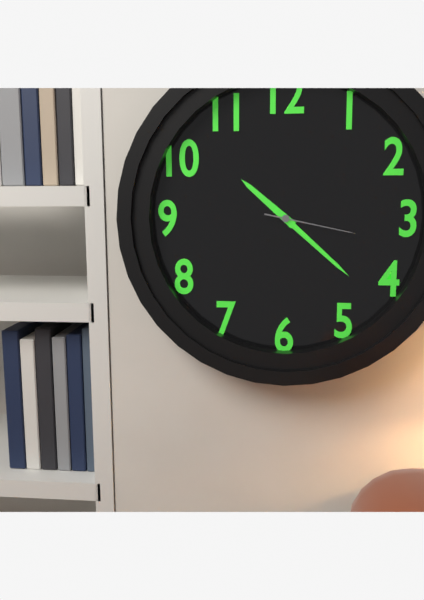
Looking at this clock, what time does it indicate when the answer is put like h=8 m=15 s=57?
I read h=10 m=22 s=17
